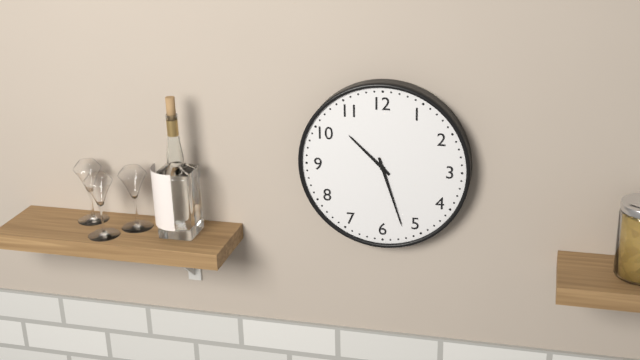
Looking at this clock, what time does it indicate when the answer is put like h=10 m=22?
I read h=10 m=27
